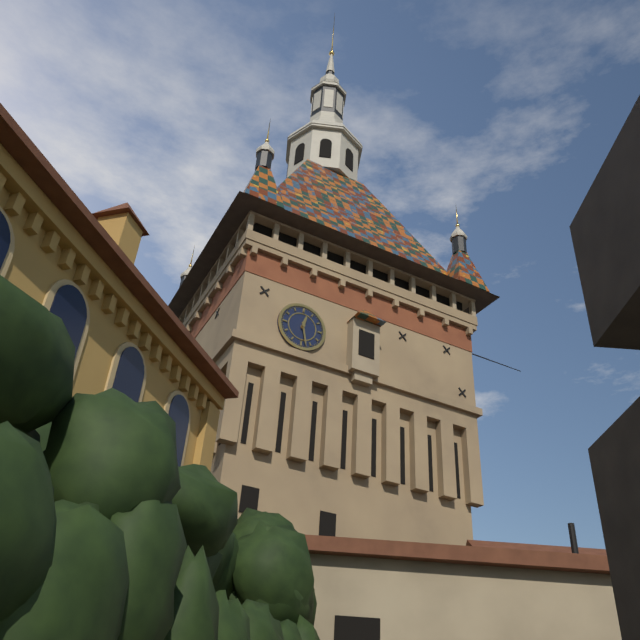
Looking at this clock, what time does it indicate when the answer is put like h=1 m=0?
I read h=12 m=28
